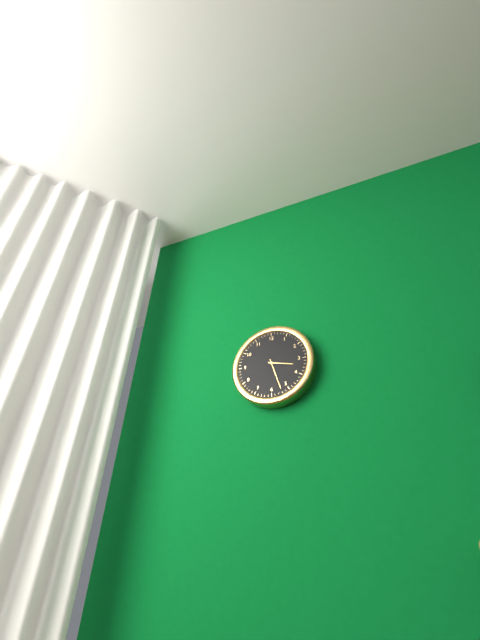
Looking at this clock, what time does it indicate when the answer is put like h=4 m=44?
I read h=3 m=27
